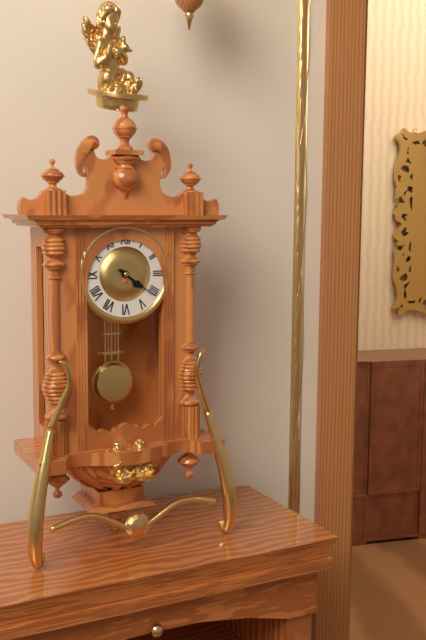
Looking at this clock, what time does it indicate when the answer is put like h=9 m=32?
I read h=4 m=21
